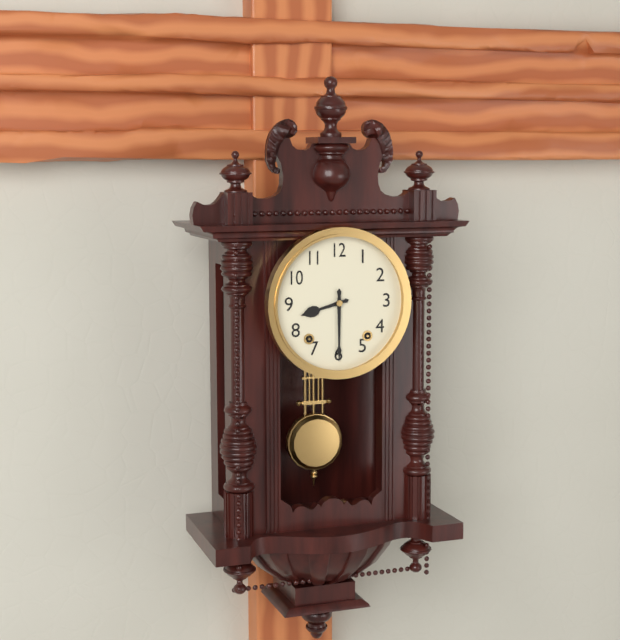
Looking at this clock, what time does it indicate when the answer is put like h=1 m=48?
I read h=8 m=30
